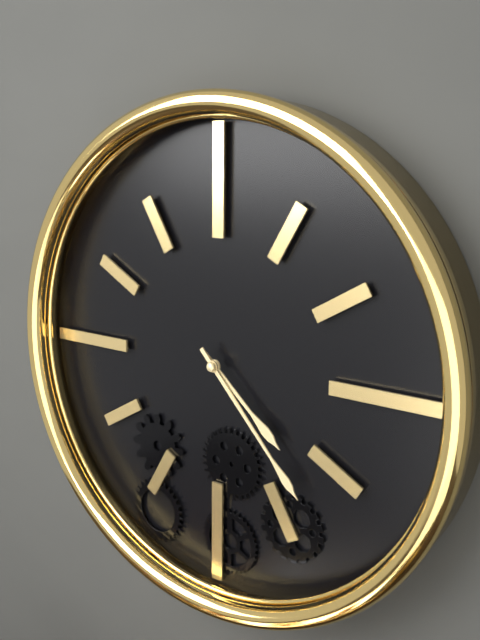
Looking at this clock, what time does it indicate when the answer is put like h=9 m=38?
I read h=4 m=23
